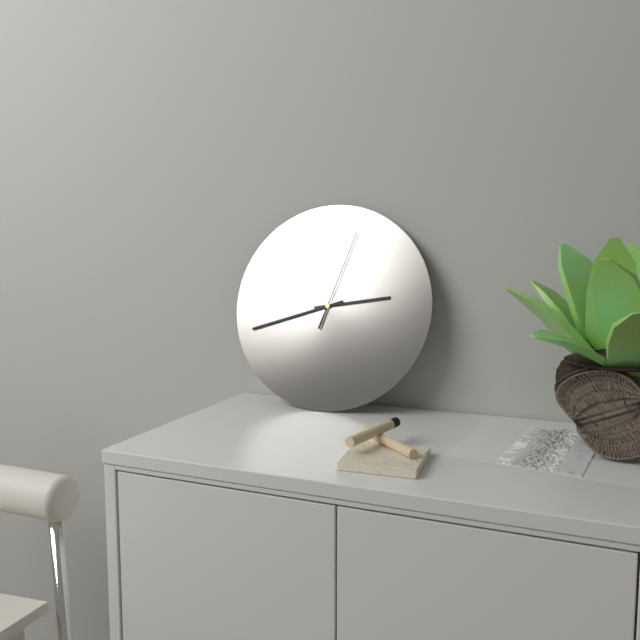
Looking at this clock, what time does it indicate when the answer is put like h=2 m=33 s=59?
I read h=2 m=42 s=3
